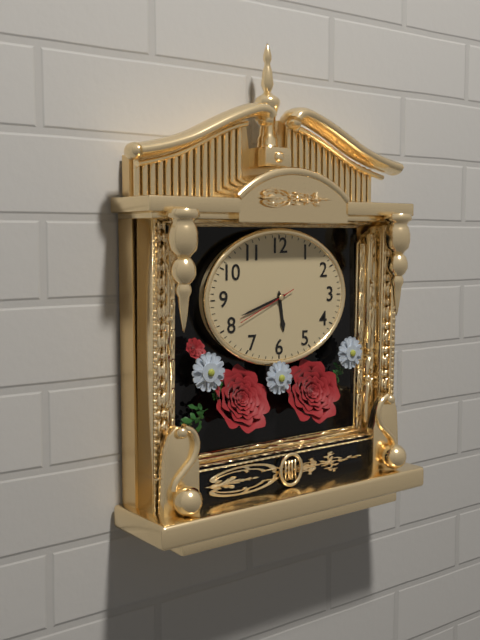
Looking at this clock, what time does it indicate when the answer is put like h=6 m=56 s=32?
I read h=5 m=42 s=41
